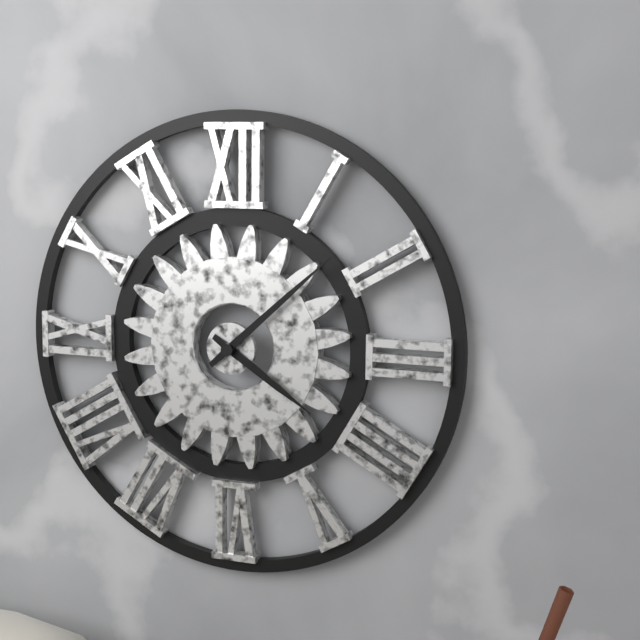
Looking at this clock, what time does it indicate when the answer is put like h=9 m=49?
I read h=4 m=8
